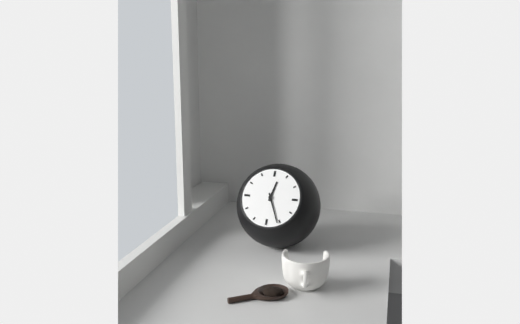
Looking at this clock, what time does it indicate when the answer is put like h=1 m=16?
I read h=12 m=26
